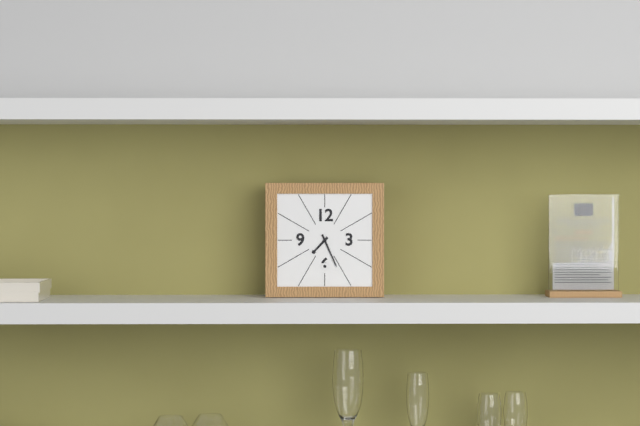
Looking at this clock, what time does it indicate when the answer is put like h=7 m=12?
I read h=7 m=26
